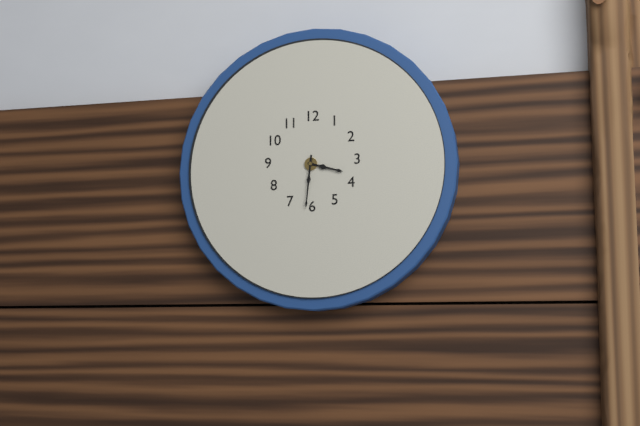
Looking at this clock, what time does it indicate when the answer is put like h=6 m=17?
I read h=3 m=31
